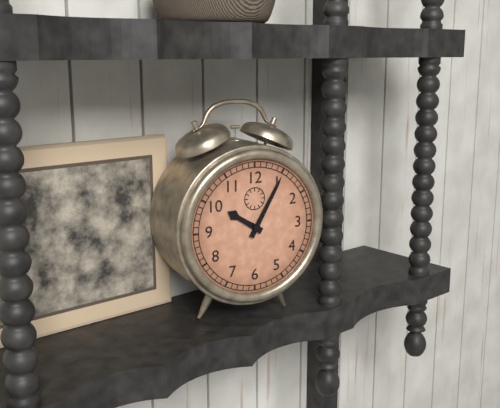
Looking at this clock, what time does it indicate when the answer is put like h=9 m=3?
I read h=10 m=5
